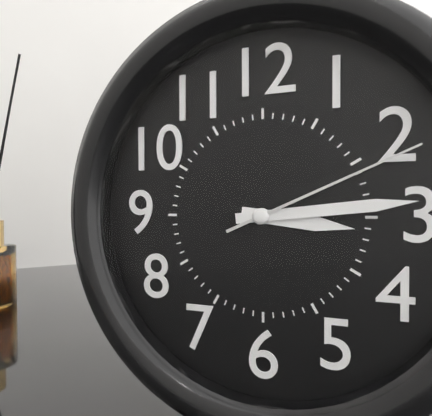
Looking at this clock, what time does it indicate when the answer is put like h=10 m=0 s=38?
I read h=3 m=14 s=11
